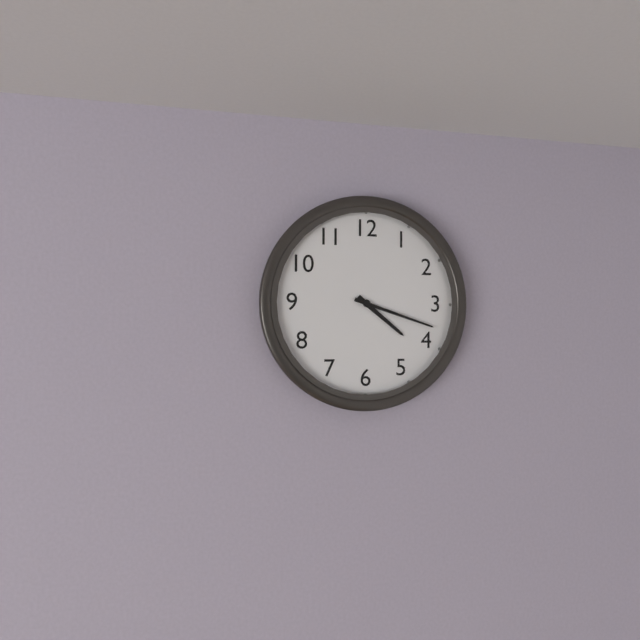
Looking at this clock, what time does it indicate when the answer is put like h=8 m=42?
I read h=4 m=18
